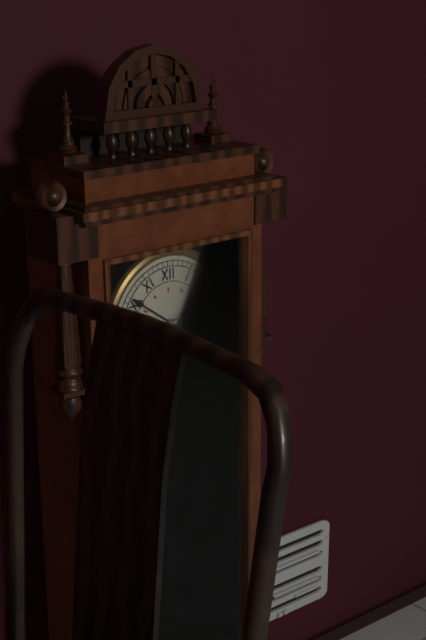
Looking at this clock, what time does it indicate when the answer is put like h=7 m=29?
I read h=2 m=51
